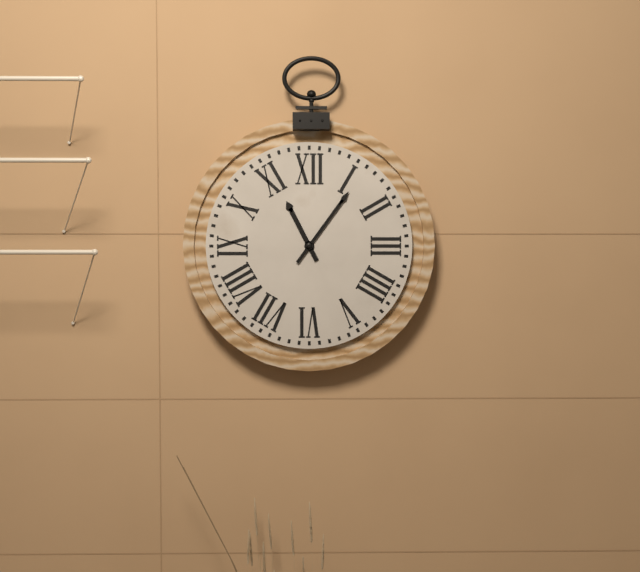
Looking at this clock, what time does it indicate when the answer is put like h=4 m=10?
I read h=11 m=6
